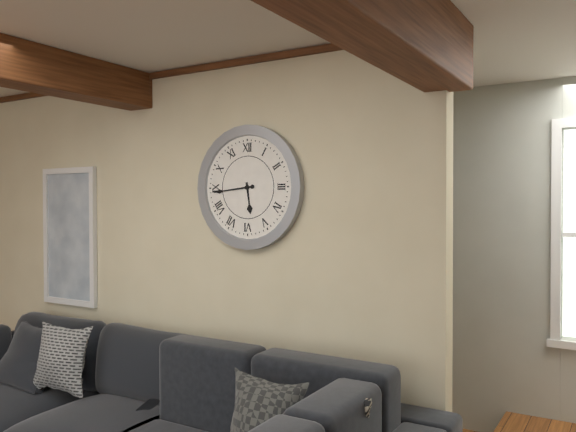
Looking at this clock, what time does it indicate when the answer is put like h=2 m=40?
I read h=5 m=44
